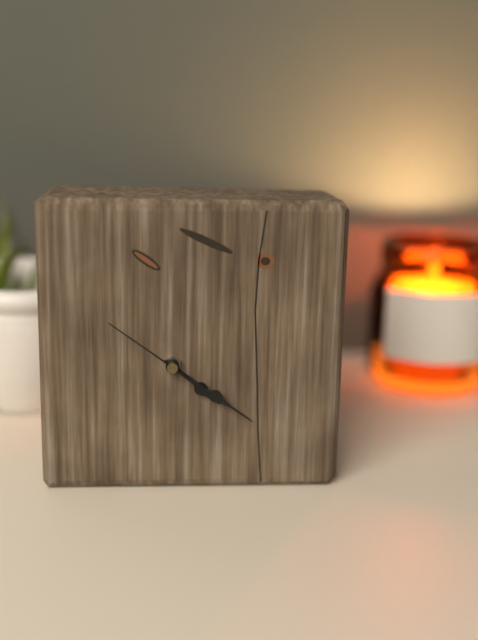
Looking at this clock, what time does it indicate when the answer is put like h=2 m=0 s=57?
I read h=4 m=21 s=51
